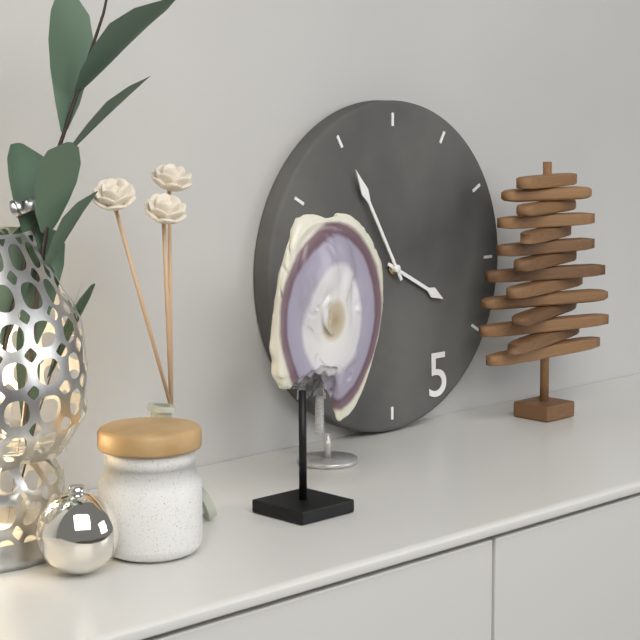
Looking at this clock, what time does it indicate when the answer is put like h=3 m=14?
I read h=3 m=55
